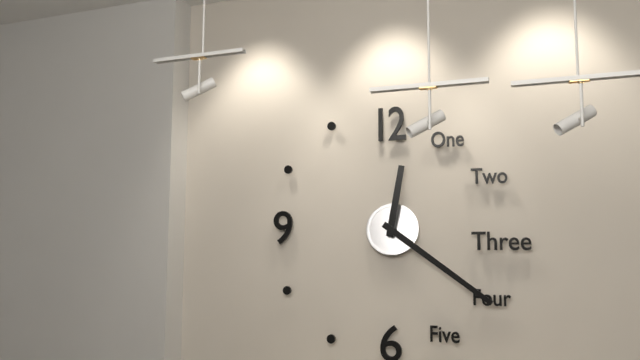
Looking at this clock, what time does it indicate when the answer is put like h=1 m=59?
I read h=12 m=21
